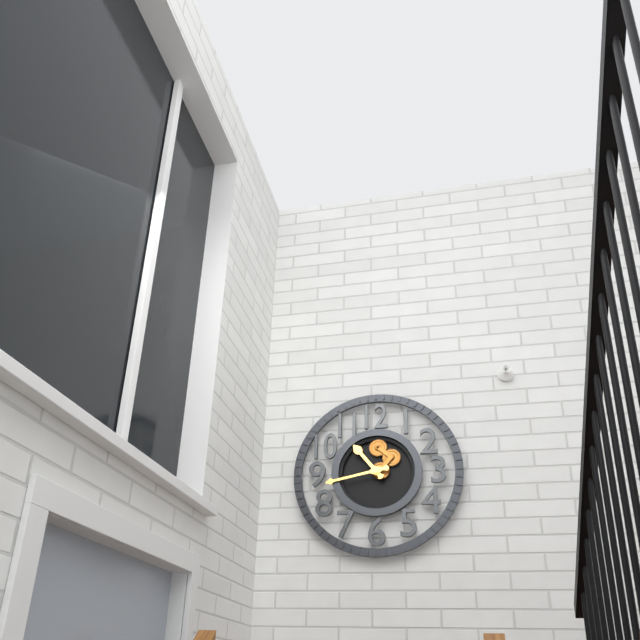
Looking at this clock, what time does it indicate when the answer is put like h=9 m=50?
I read h=10 m=43
